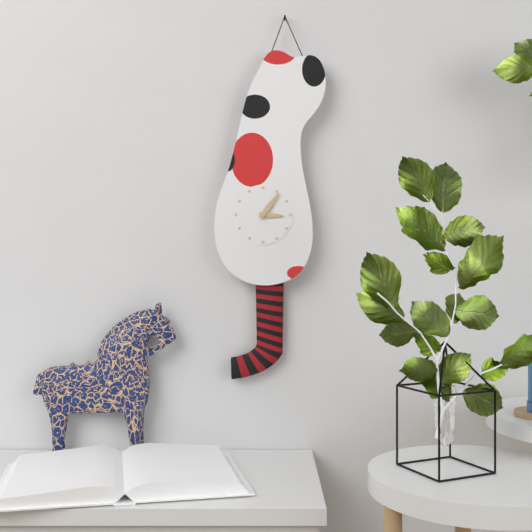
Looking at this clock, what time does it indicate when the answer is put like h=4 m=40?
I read h=3 m=6
